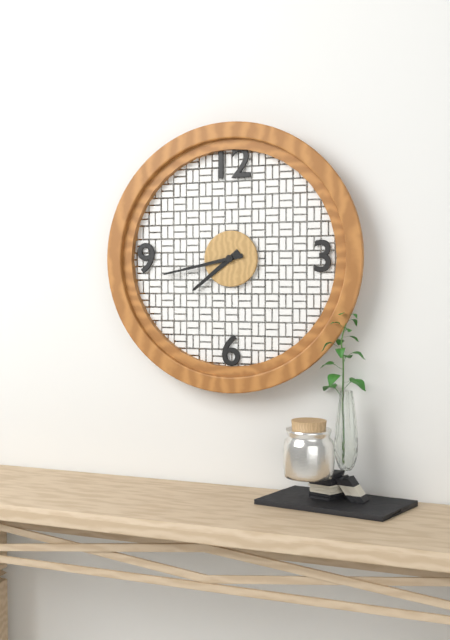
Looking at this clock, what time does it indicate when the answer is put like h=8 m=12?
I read h=7 m=43
